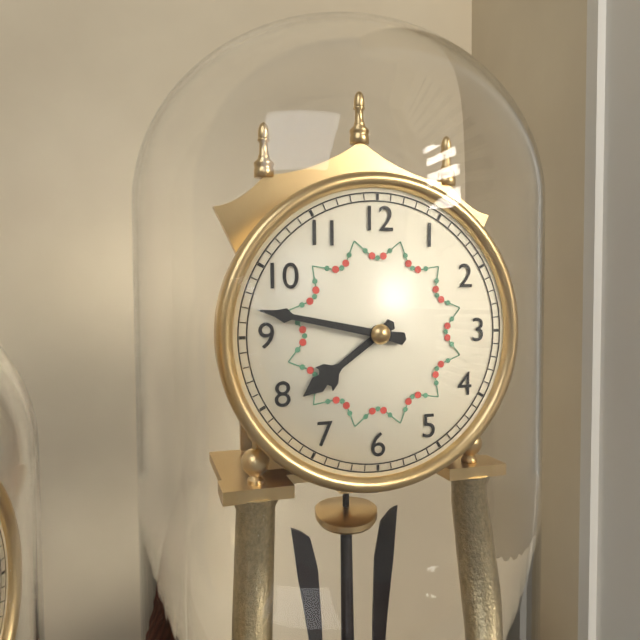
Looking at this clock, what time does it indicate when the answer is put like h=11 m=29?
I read h=7 m=47
